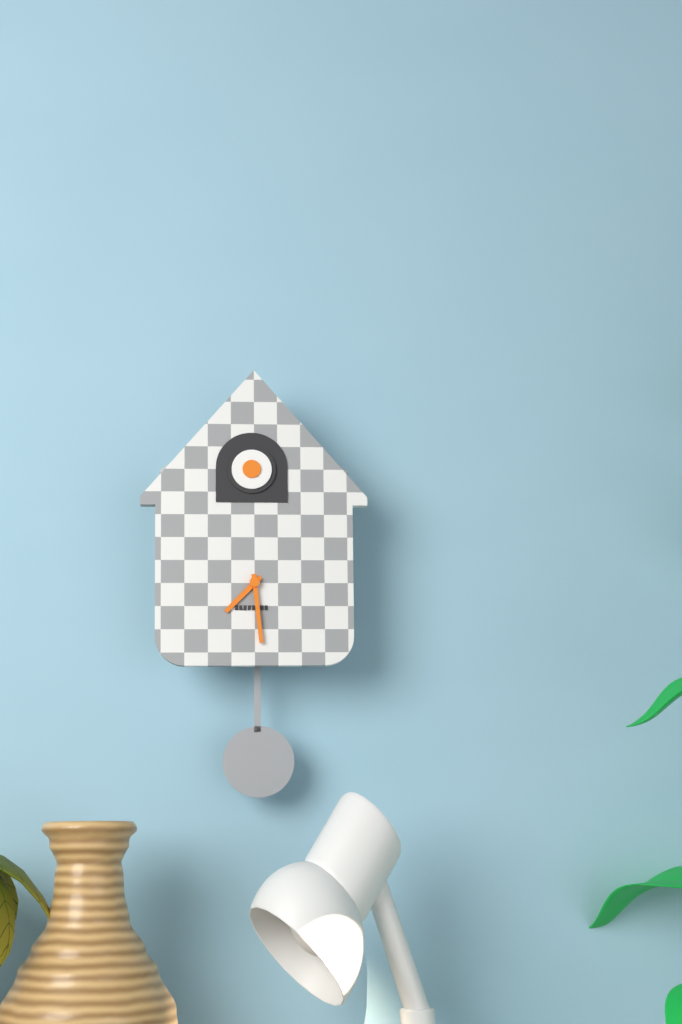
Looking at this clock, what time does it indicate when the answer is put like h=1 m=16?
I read h=7 m=29
